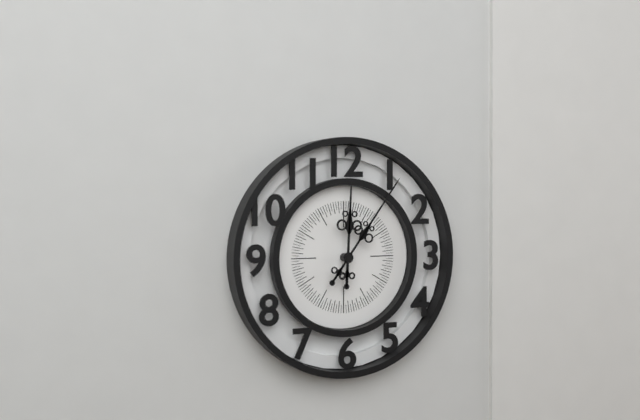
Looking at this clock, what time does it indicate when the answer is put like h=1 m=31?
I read h=12 m=6
